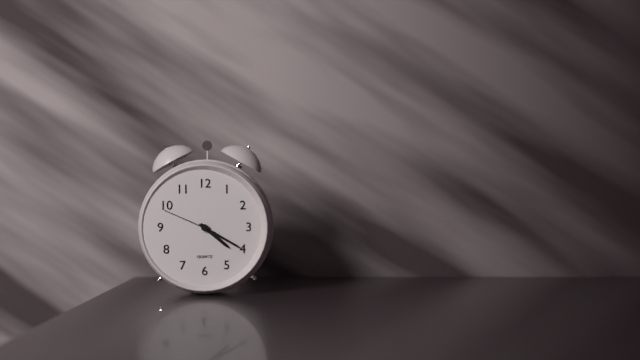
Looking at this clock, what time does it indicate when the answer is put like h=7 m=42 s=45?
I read h=4 m=20 s=49
